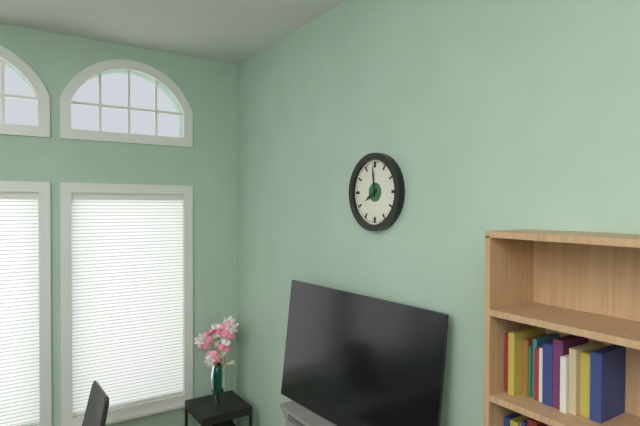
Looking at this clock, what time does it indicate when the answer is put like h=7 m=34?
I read h=7 m=59
